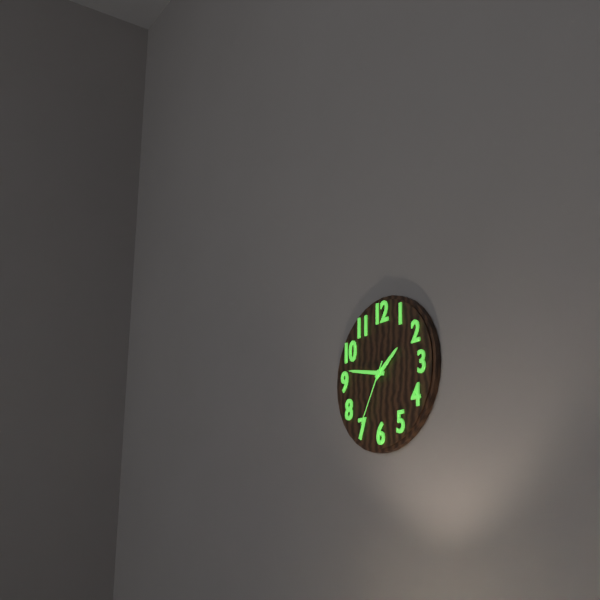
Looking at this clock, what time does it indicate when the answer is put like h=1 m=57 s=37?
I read h=1 m=47 s=35
